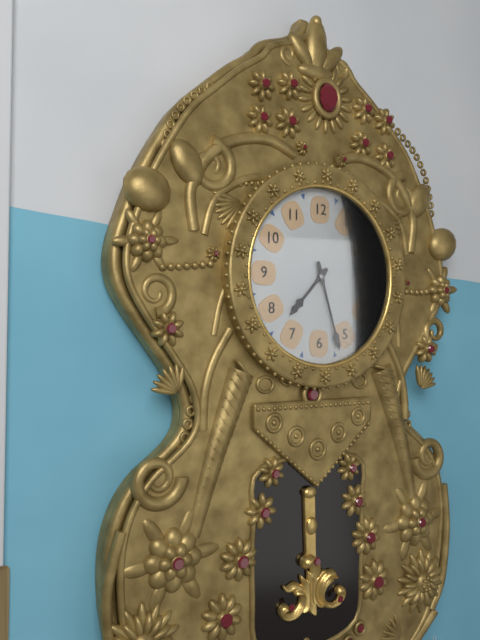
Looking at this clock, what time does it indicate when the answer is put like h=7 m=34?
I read h=7 m=27
